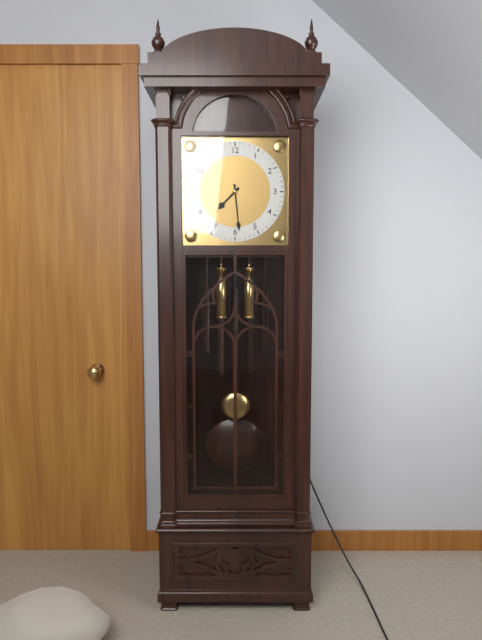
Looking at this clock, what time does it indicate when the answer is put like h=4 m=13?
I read h=7 m=29
